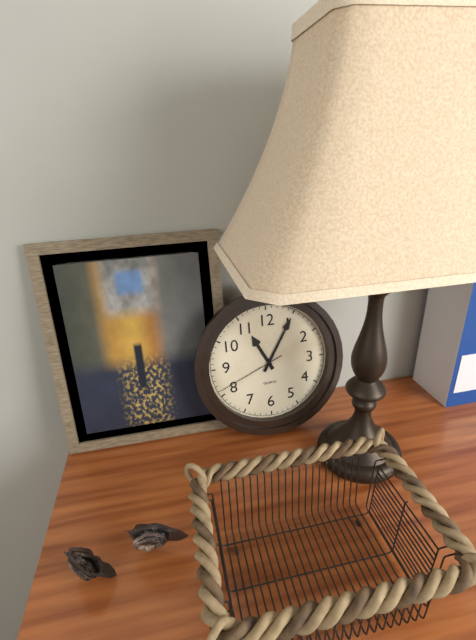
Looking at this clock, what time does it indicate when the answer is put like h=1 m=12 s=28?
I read h=11 m=5 s=41
